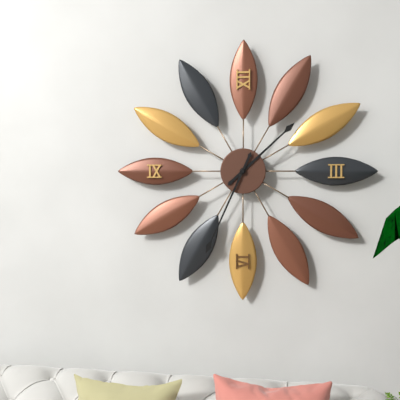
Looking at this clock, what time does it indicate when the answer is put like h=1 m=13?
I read h=1 m=34
